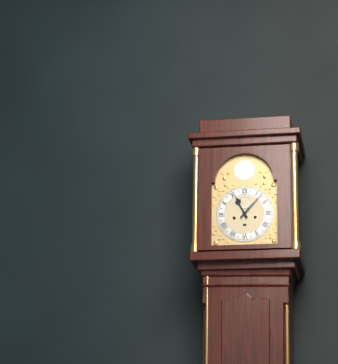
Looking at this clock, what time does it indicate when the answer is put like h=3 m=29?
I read h=11 m=7
